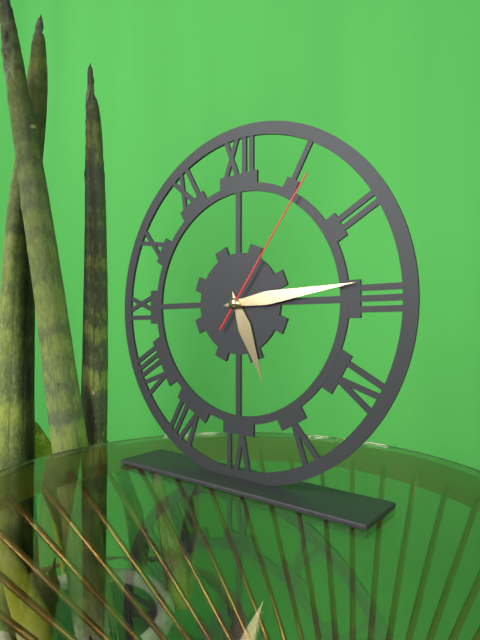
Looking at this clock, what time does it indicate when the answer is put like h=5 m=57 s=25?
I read h=5 m=14 s=6
